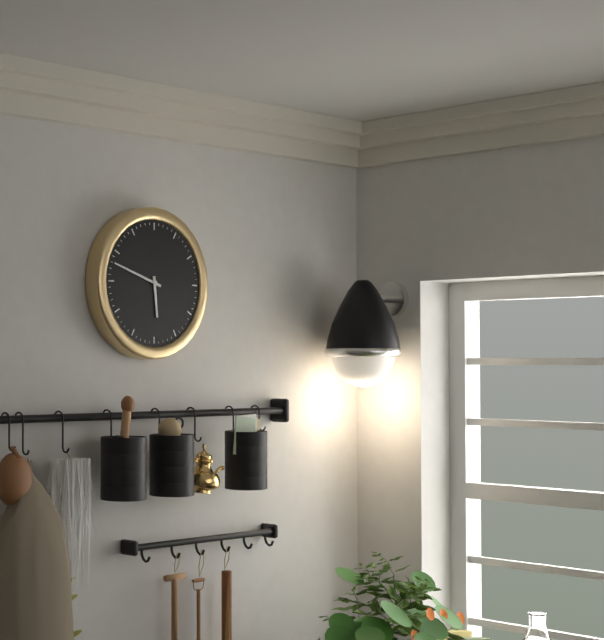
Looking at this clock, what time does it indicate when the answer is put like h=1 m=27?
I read h=5 m=48
